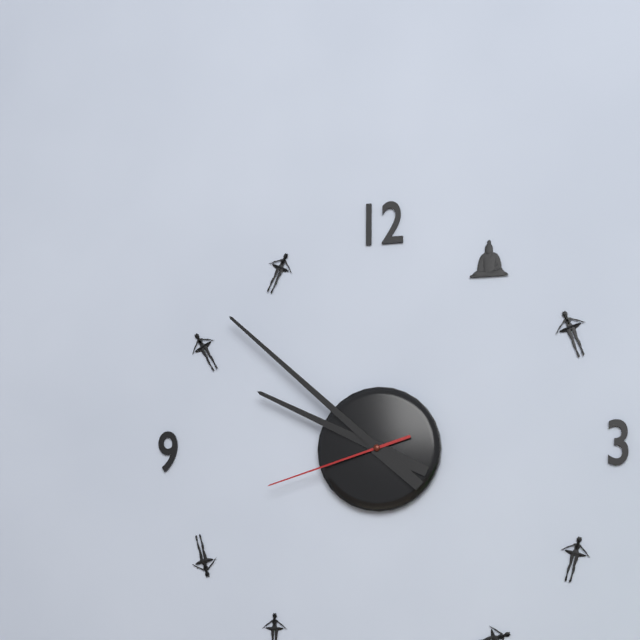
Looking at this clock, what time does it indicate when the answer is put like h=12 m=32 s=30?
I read h=9 m=52 s=42
